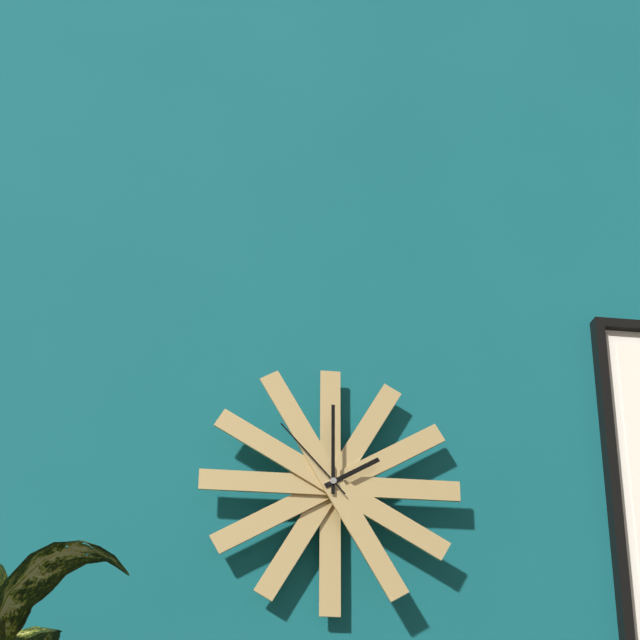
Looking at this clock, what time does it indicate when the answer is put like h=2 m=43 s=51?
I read h=2 m=0 s=53
